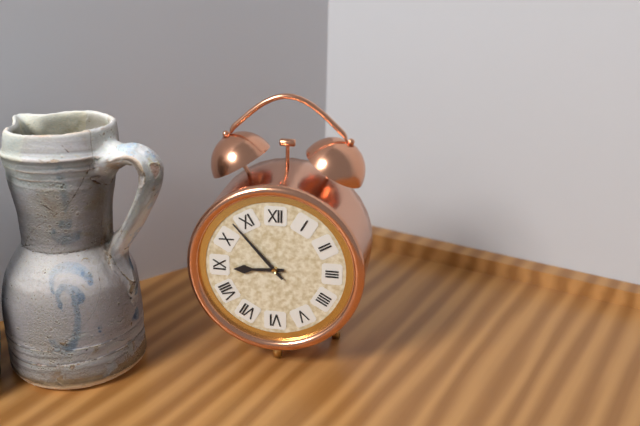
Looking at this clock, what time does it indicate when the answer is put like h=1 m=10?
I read h=8 m=53
